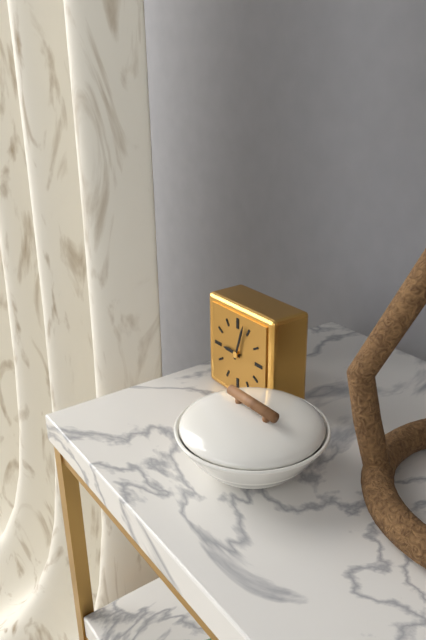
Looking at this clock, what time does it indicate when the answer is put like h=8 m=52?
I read h=9 m=3
